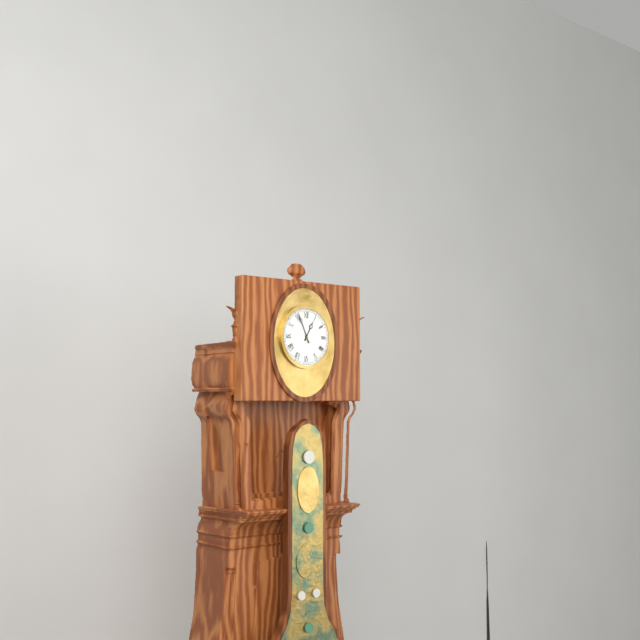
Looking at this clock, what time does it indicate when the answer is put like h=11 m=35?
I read h=12 m=56
